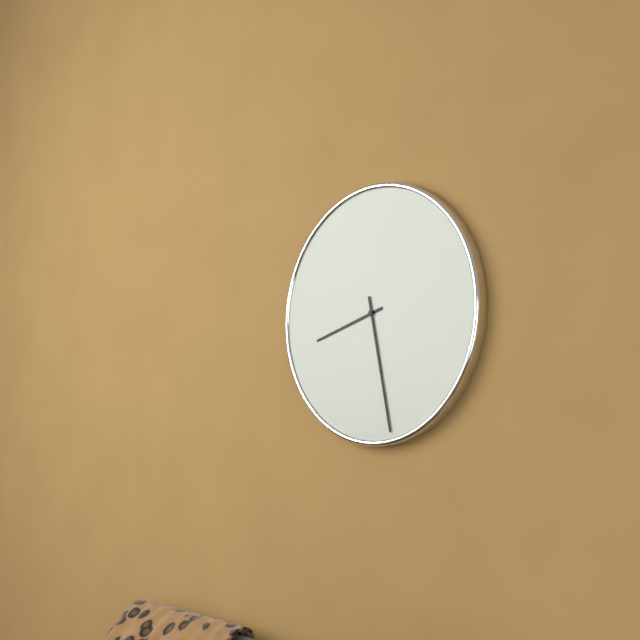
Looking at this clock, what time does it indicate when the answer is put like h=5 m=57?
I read h=8 m=28
